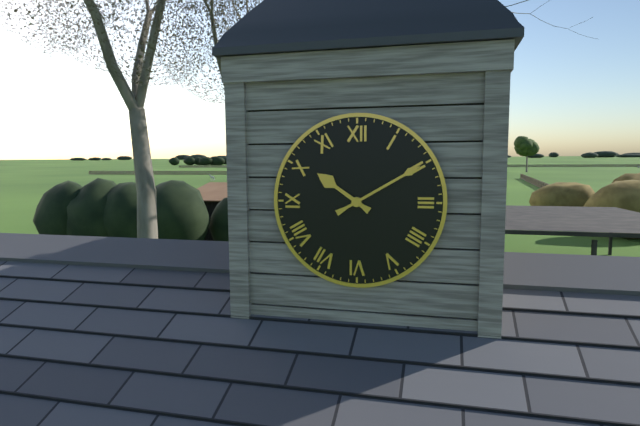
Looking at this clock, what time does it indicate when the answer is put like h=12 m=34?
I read h=10 m=10
